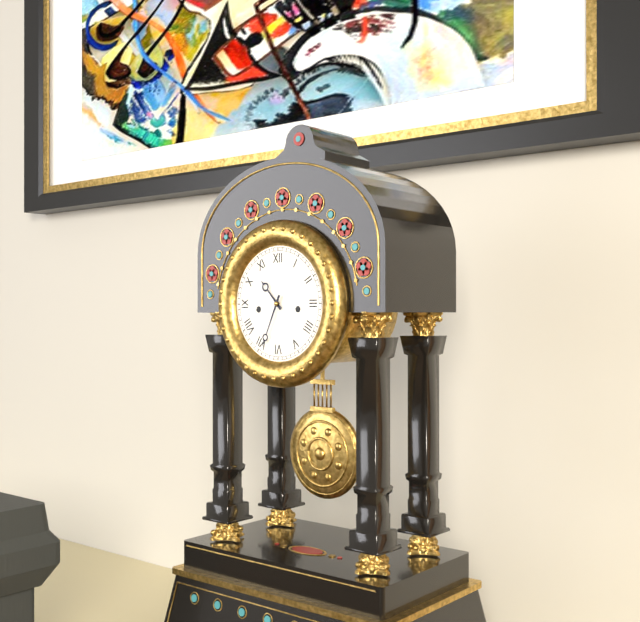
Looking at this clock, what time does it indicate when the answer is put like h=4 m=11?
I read h=10 m=34
